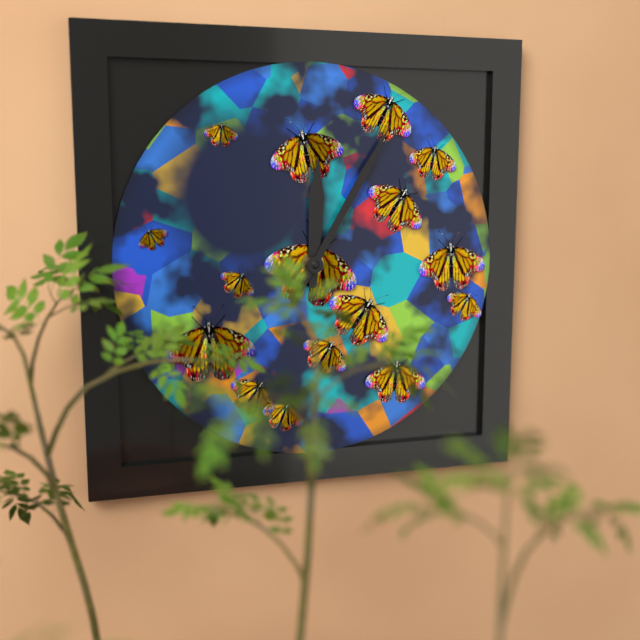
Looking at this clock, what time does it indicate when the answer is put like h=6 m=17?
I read h=12 m=5
